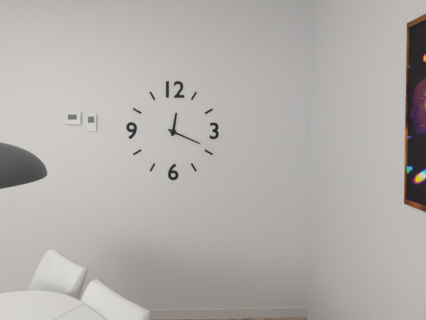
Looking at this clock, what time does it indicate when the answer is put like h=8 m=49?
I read h=12 m=19
